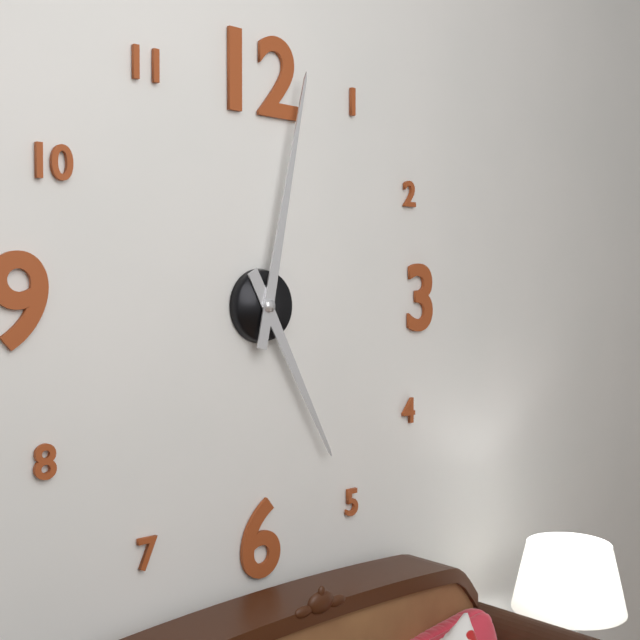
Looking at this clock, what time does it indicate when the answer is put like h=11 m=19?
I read h=5 m=2
